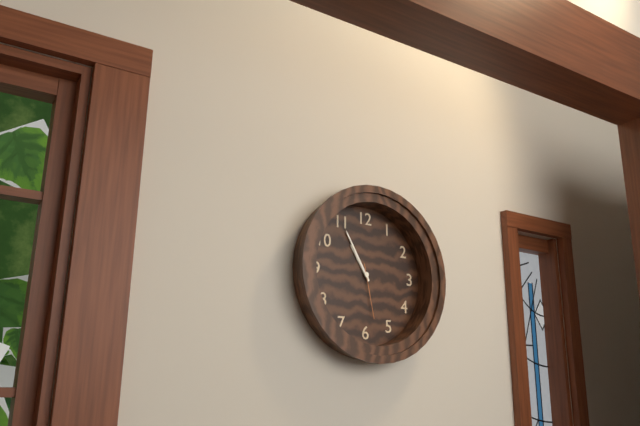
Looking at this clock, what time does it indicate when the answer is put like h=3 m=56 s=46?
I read h=10 m=55 s=28
